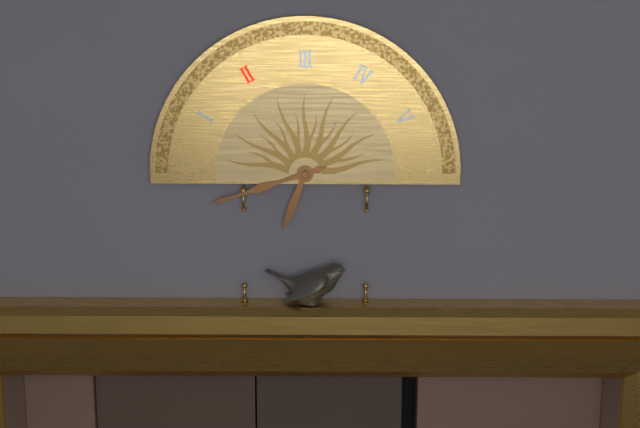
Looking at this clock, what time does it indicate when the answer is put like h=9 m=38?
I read h=6 m=42
